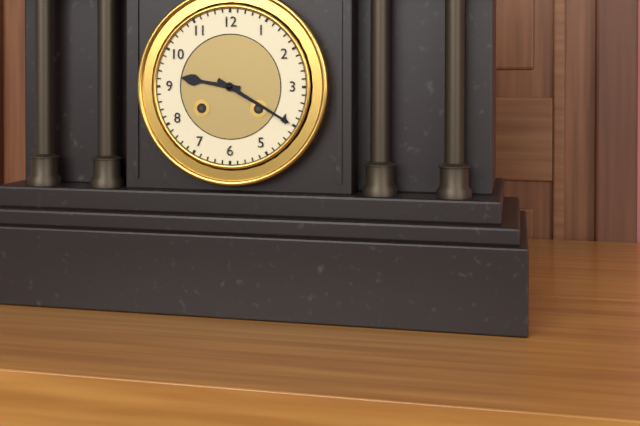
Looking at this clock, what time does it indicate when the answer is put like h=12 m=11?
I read h=9 m=20
